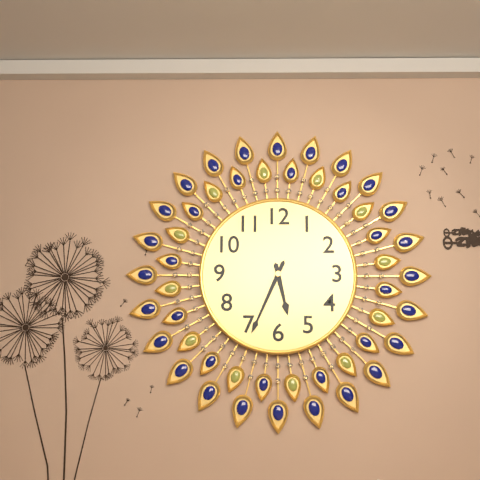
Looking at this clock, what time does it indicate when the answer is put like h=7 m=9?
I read h=5 m=34
